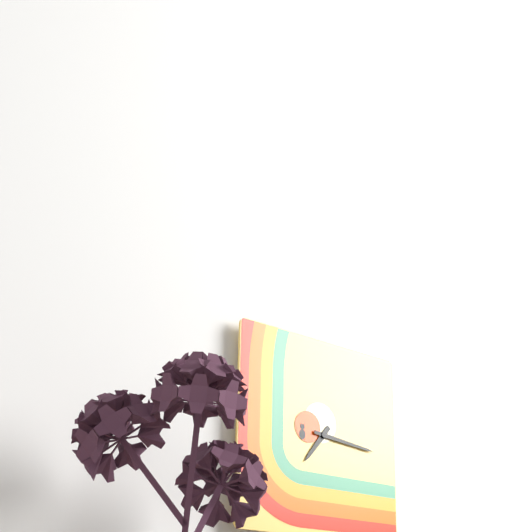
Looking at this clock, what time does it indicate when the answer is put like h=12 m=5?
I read h=7 m=16
